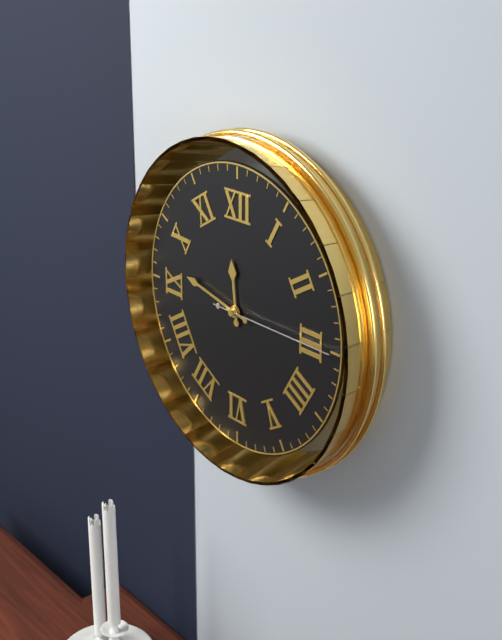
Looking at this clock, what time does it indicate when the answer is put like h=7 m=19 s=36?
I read h=11 m=47 s=15
